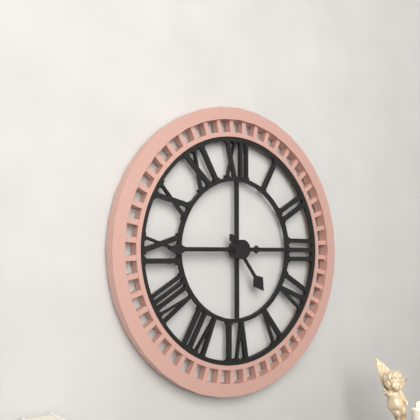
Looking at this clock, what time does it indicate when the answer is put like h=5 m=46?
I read h=4 m=45
